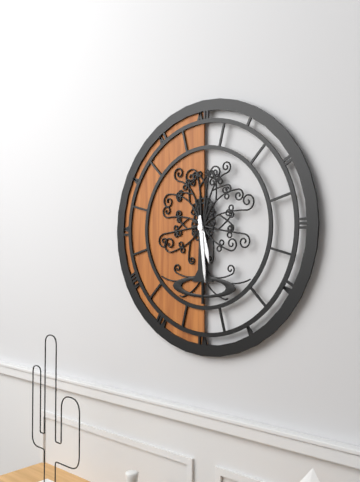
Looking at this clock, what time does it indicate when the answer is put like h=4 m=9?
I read h=5 m=29
